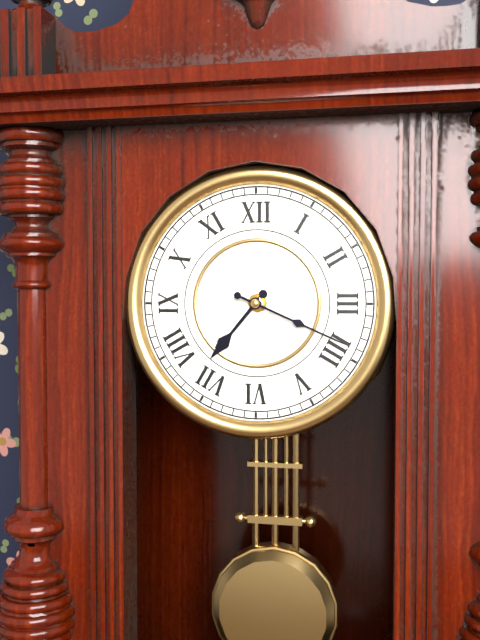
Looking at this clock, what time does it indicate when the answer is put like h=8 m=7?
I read h=7 m=19
